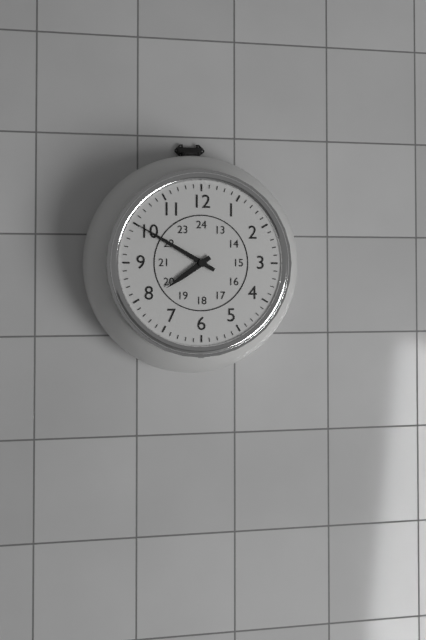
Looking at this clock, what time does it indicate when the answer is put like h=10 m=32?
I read h=7 m=50
